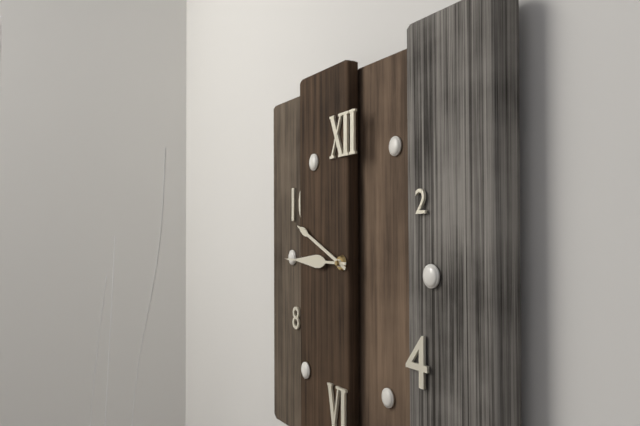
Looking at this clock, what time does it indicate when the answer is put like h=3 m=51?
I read h=9 m=45
